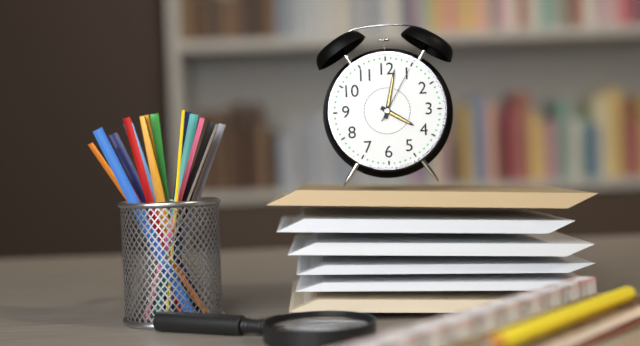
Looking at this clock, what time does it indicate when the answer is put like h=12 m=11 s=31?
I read h=4 m=2 s=5
